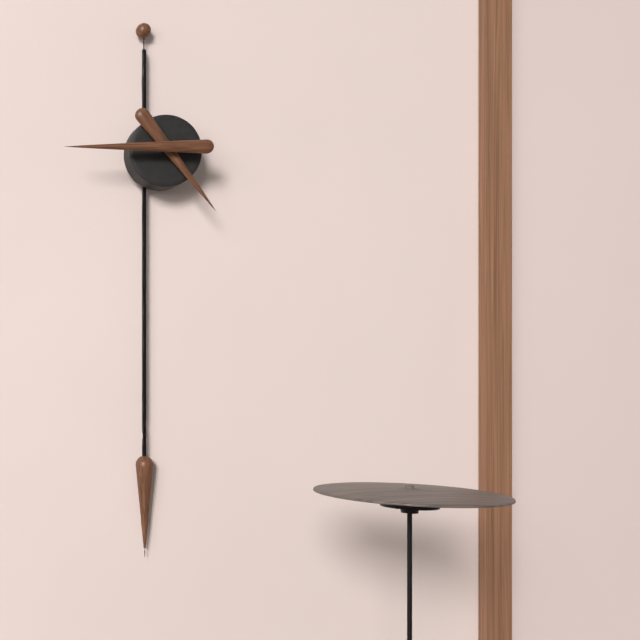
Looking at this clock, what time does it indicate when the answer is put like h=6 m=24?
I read h=4 m=45
